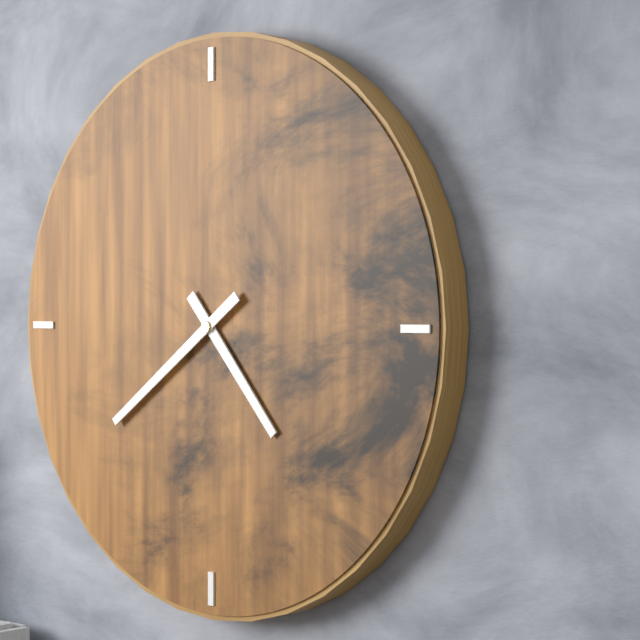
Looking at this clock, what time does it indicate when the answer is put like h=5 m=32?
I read h=4 m=39
